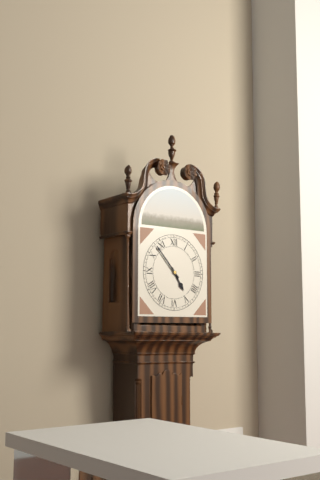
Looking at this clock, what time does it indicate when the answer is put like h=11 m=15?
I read h=4 m=53
